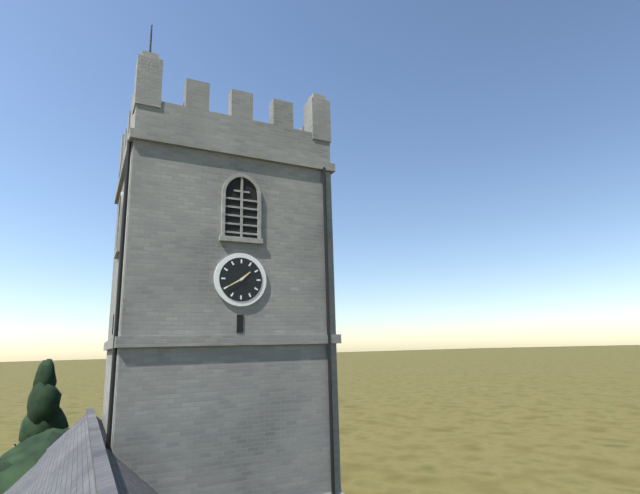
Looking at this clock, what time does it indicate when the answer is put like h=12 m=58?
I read h=1 m=40
